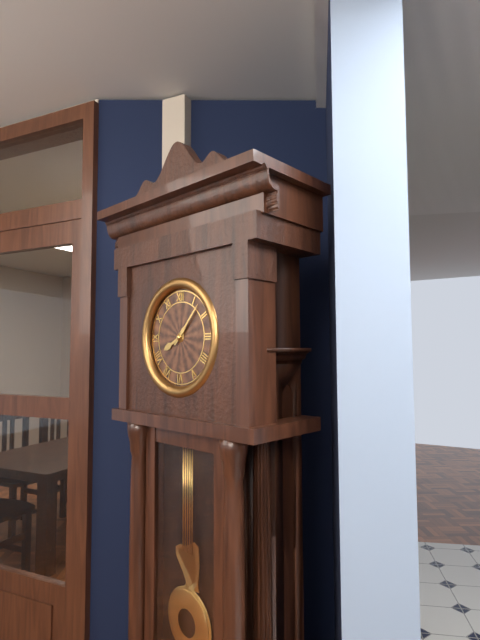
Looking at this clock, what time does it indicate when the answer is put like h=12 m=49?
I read h=8 m=7
